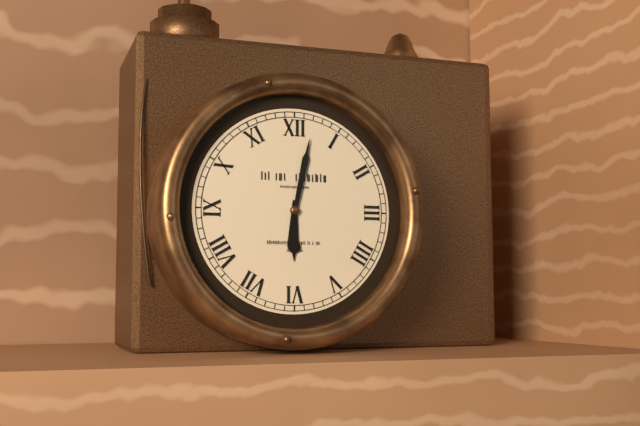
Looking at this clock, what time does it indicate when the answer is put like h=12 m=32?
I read h=6 m=2
